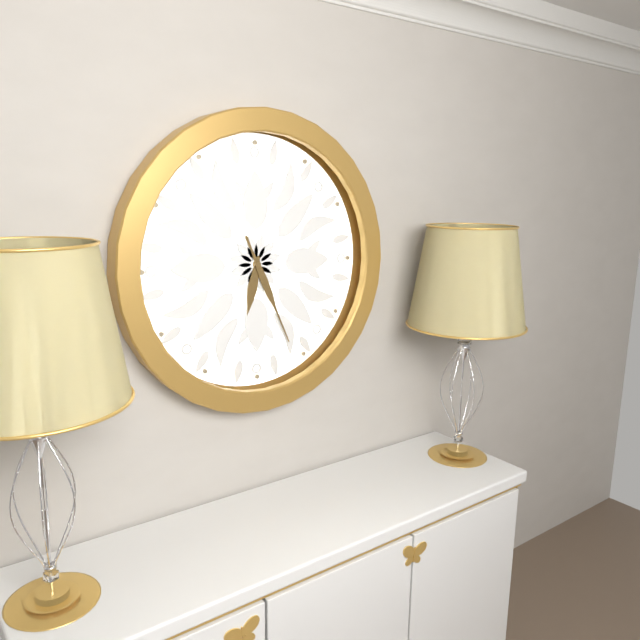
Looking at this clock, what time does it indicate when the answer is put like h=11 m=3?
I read h=6 m=26
